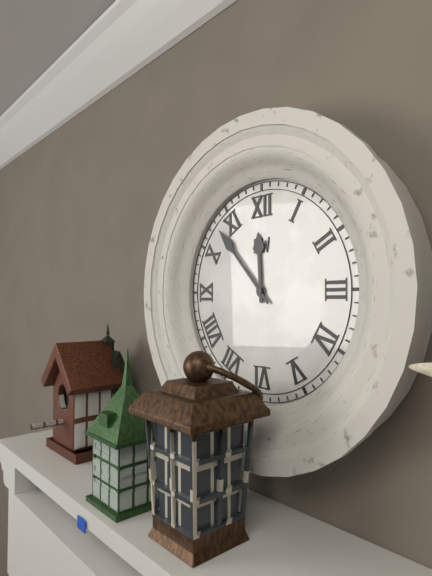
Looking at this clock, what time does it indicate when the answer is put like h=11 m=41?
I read h=11 m=53
